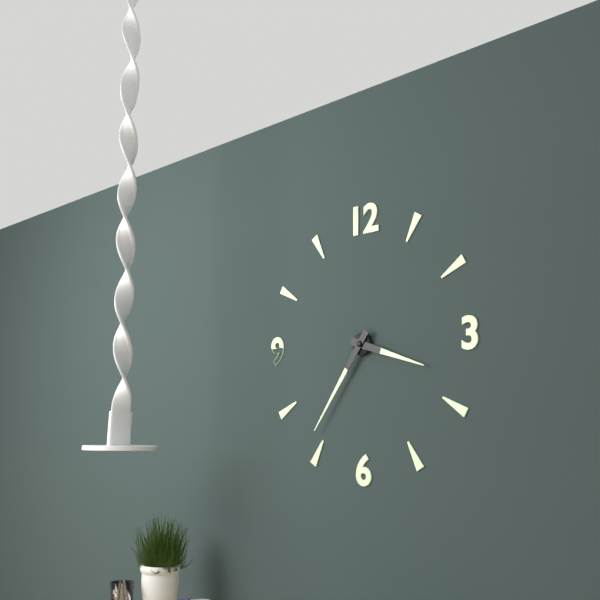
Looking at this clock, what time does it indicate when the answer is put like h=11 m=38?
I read h=3 m=36
